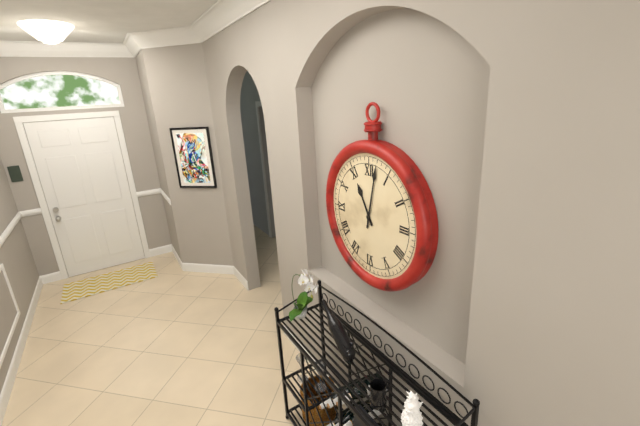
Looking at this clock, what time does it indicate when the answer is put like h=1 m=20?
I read h=11 m=2
